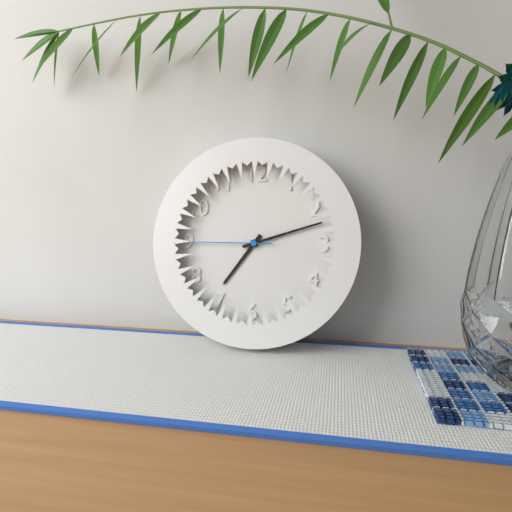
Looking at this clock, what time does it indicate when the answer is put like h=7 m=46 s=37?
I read h=7 m=12 s=45
